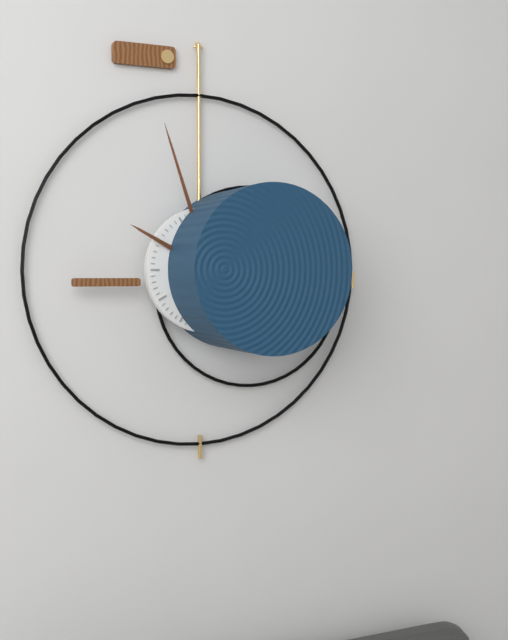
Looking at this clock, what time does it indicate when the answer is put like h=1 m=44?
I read h=9 m=57
